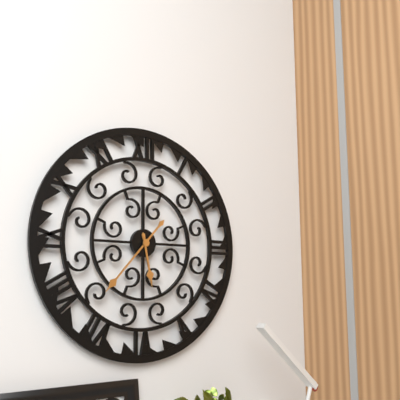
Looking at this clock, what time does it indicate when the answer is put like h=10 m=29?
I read h=5 m=37
